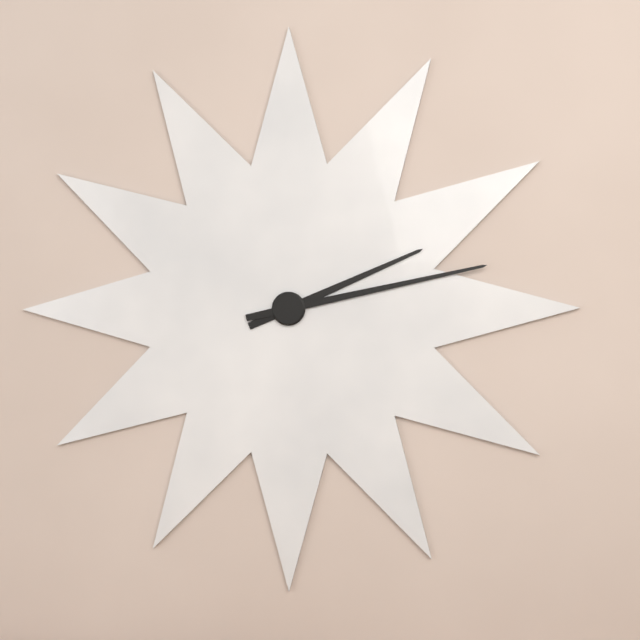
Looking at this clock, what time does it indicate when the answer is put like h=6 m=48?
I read h=2 m=13
